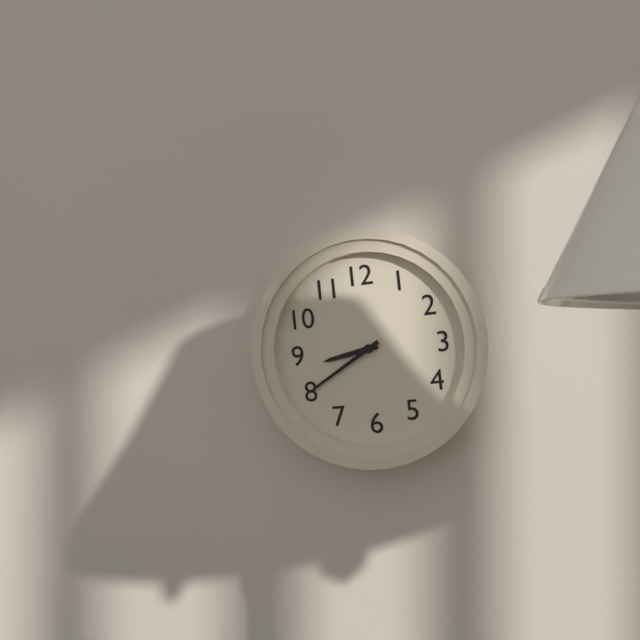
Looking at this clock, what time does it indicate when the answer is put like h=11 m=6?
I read h=8 m=40
